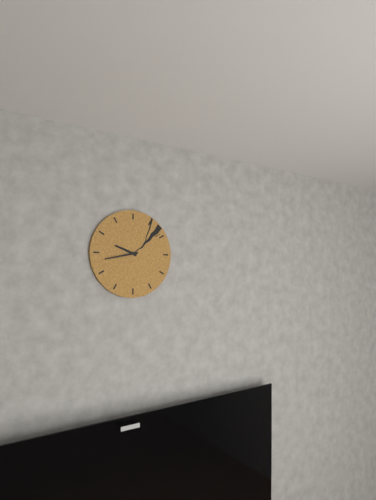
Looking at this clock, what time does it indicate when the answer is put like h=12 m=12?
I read h=9 m=43
